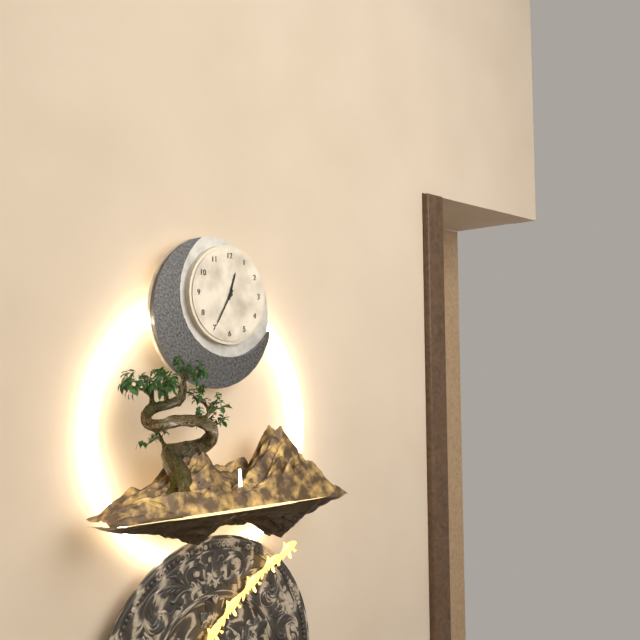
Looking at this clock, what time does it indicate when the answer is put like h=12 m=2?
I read h=12 m=35
